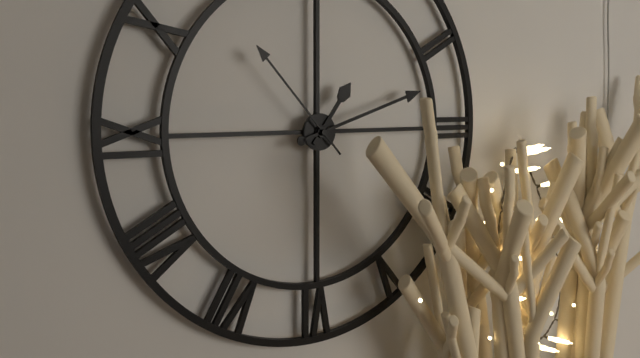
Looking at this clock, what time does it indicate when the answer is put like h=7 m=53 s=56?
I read h=1 m=12 s=53
